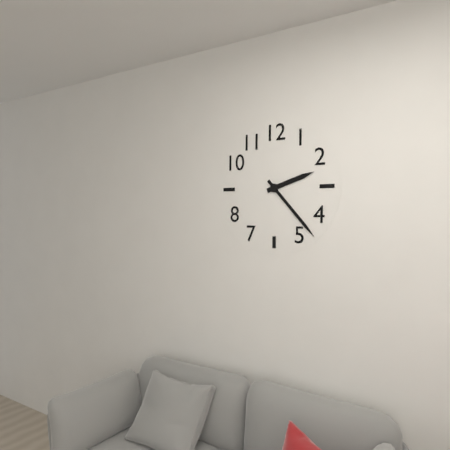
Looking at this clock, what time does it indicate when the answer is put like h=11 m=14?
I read h=2 m=23
